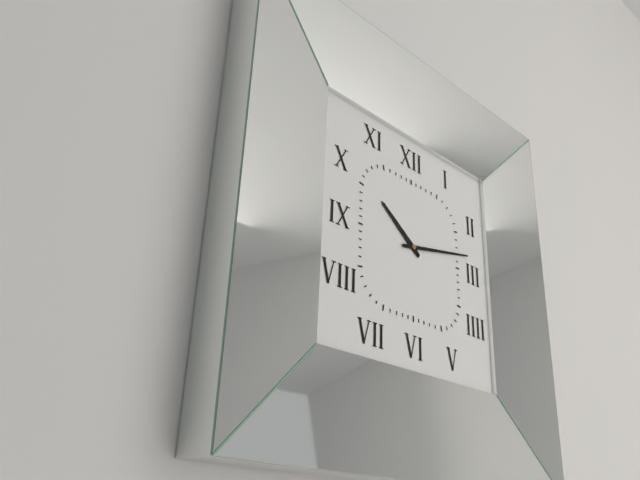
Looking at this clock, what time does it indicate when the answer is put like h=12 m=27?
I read h=10 m=13
